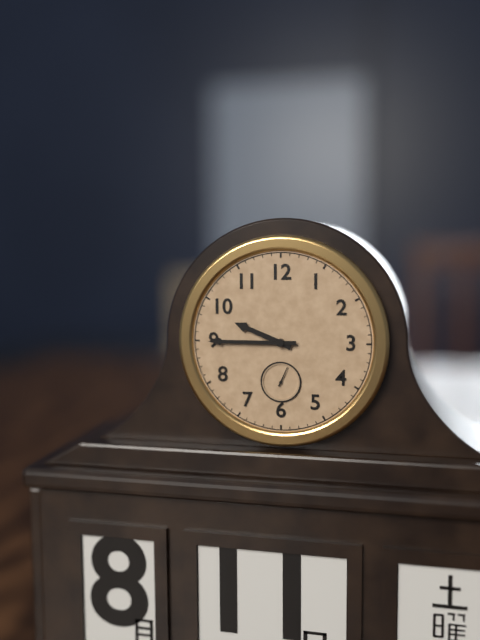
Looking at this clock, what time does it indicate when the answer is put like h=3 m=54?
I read h=9 m=45
